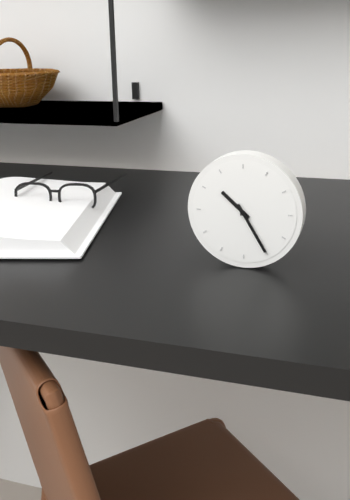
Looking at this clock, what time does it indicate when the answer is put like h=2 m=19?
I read h=10 m=25
